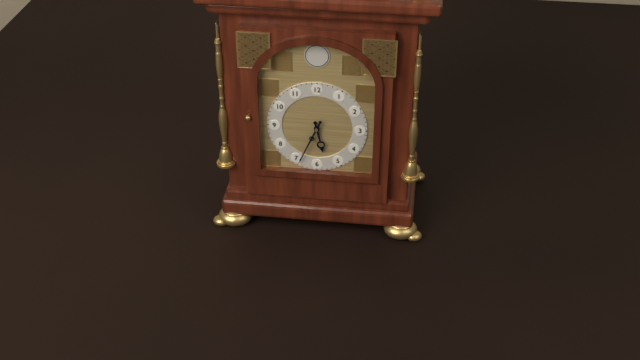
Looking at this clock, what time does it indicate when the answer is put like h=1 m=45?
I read h=5 m=34
